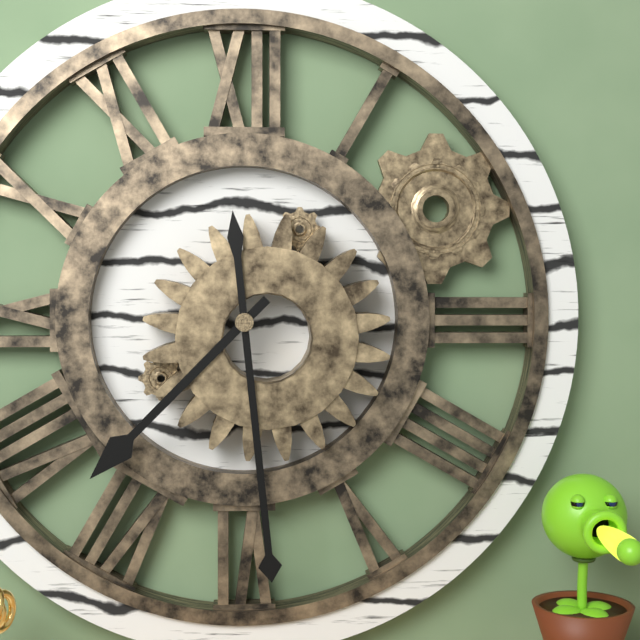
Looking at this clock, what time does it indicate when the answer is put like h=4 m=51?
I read h=7 m=29
